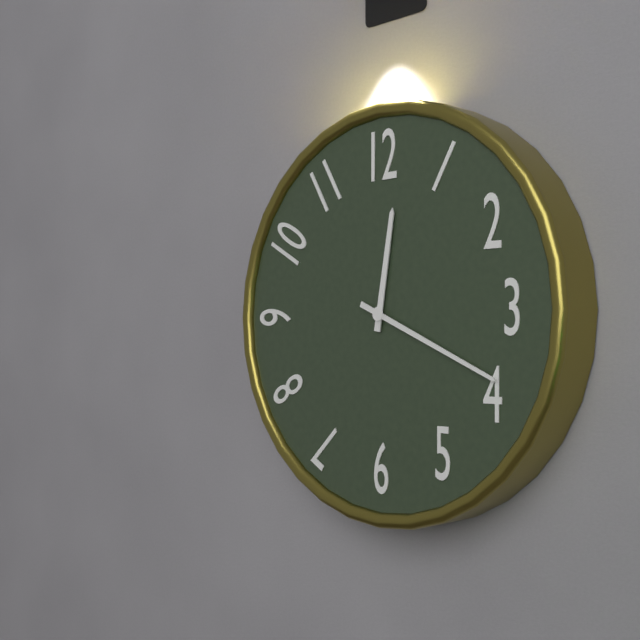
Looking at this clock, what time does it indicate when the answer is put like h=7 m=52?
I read h=12 m=19
